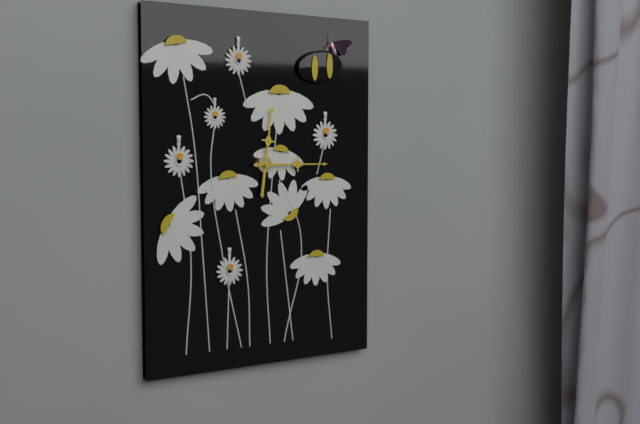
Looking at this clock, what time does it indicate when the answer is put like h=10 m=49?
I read h=12 m=15
